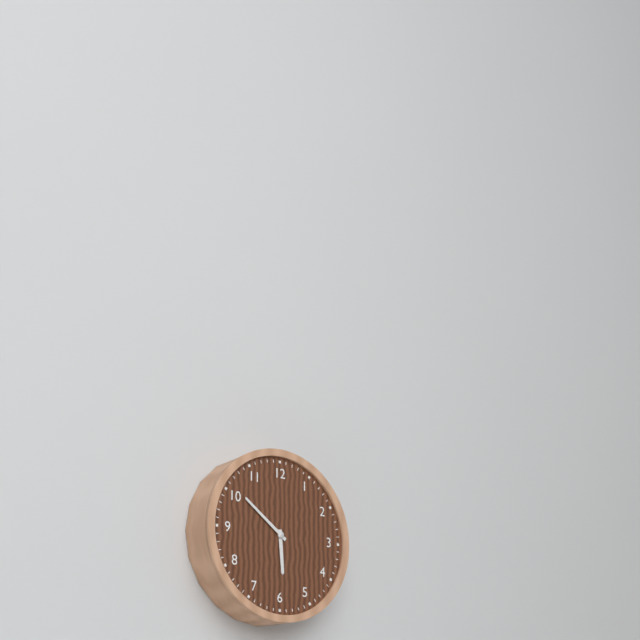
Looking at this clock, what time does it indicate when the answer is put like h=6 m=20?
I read h=5 m=51
